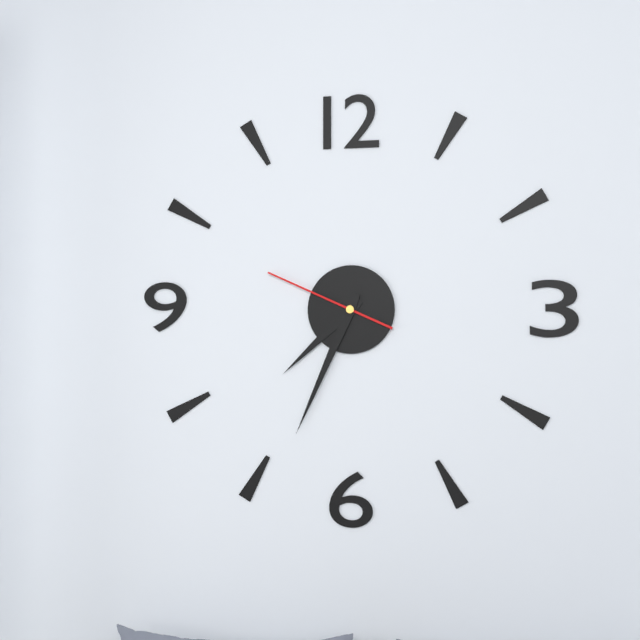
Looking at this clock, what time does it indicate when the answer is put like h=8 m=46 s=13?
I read h=7 m=34 s=49
